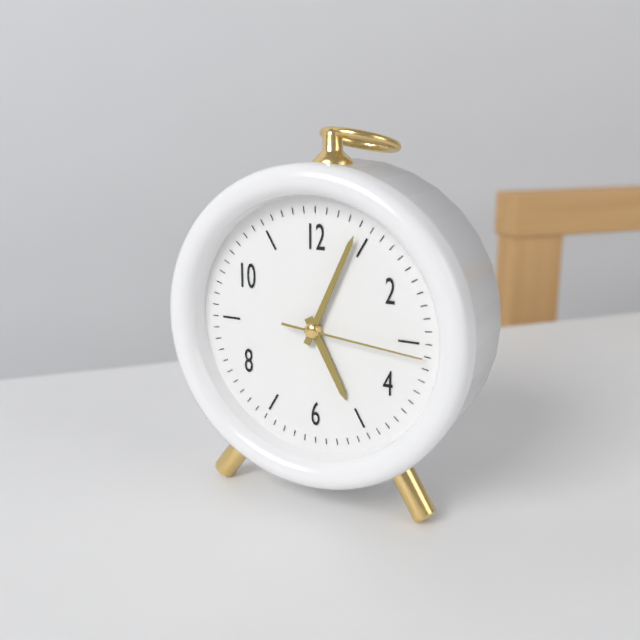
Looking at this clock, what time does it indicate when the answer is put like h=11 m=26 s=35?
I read h=5 m=4 s=16
